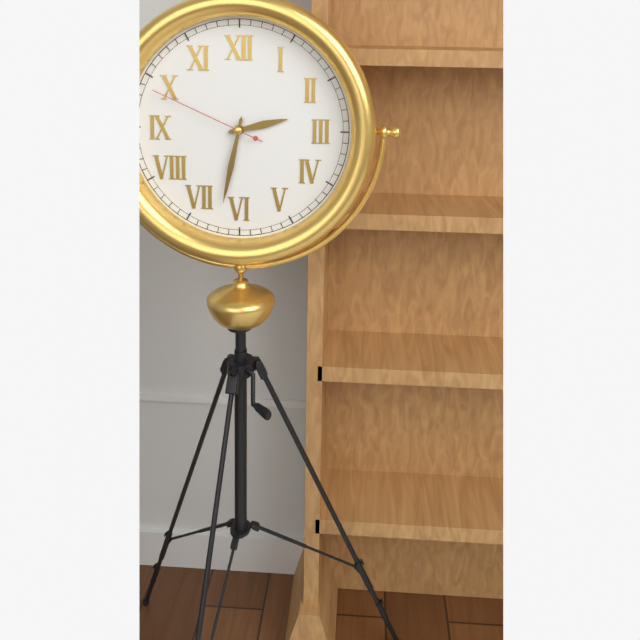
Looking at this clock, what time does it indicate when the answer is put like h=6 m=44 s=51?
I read h=2 m=32 s=49
